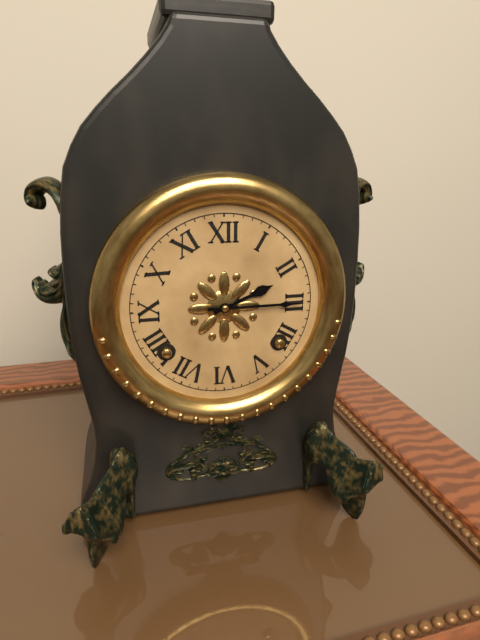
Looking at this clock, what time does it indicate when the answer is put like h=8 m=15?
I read h=2 m=15
